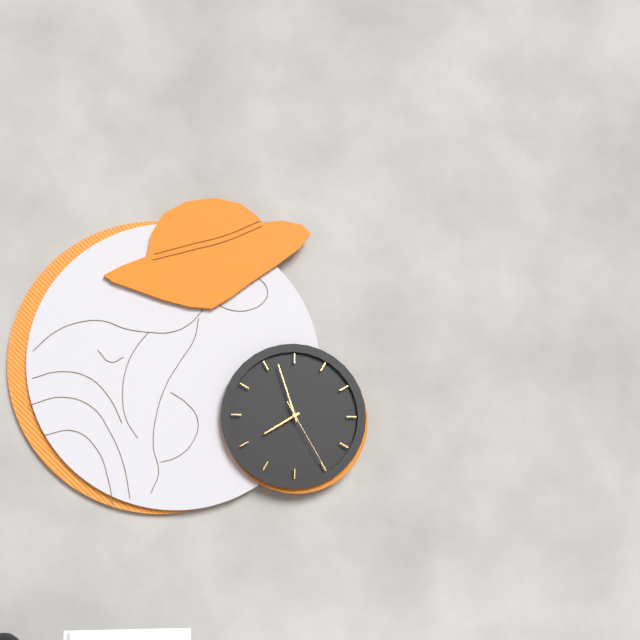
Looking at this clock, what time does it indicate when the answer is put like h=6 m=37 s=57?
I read h=7 m=57 s=25
